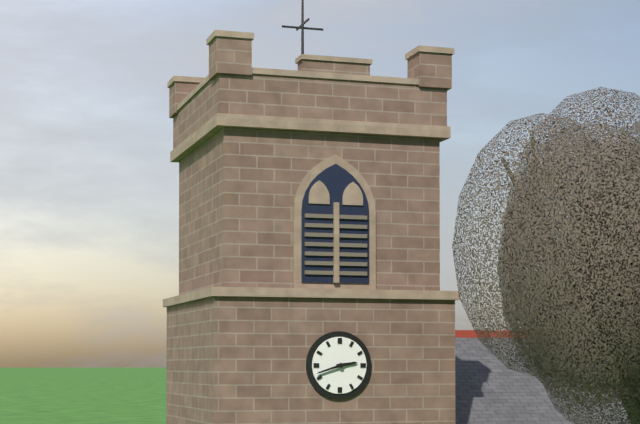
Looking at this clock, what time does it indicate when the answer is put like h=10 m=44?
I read h=2 m=42
